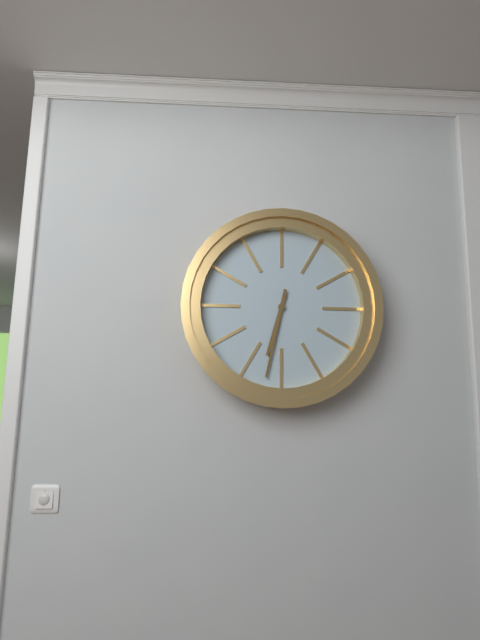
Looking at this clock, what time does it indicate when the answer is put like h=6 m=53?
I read h=6 m=32
